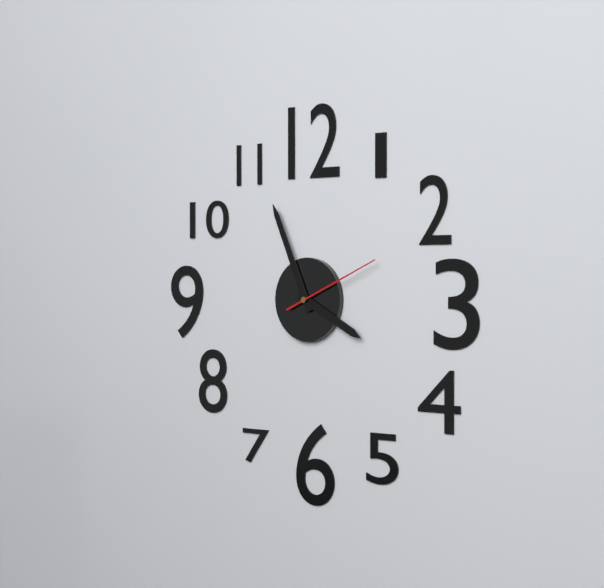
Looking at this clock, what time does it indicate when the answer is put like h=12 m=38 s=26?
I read h=3 m=56 s=11
